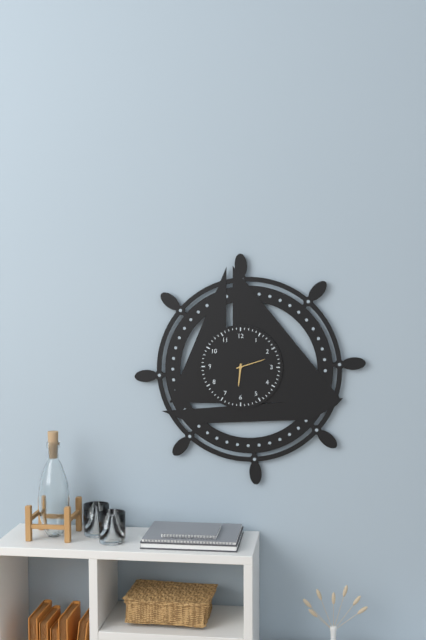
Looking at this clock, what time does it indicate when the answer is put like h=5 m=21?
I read h=6 m=12
